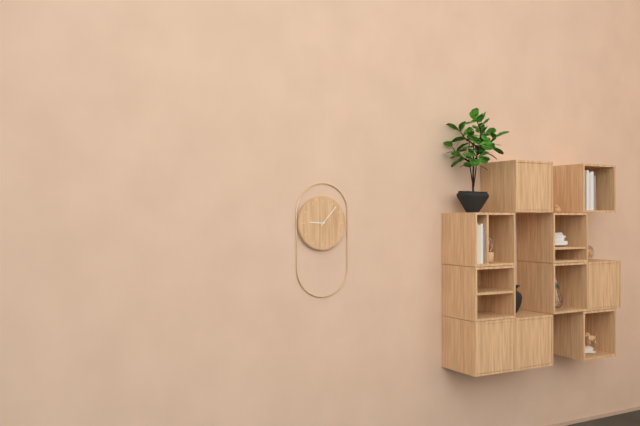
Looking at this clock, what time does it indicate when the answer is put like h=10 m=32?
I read h=9 m=7
